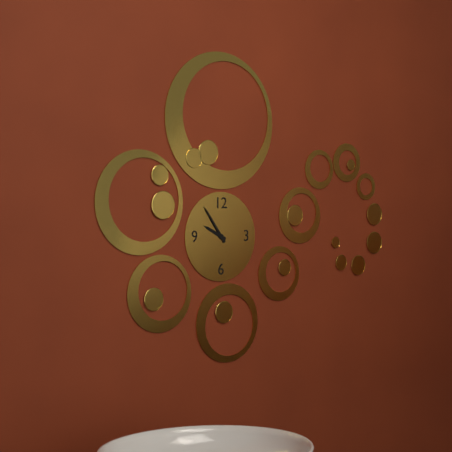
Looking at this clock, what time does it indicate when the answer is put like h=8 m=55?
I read h=9 m=54
